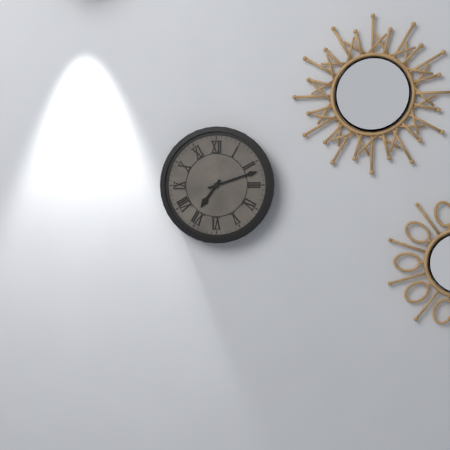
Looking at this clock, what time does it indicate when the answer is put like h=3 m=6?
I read h=7 m=12
